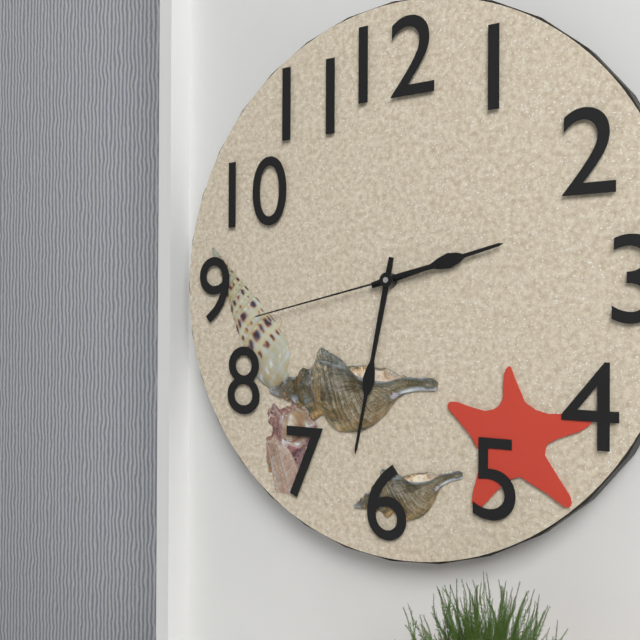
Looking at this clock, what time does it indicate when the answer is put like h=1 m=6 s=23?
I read h=2 m=32 s=43
